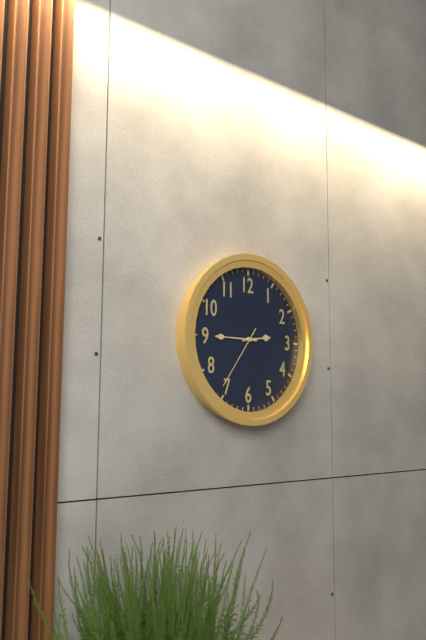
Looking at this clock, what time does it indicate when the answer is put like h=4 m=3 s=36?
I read h=2 m=45 s=36
